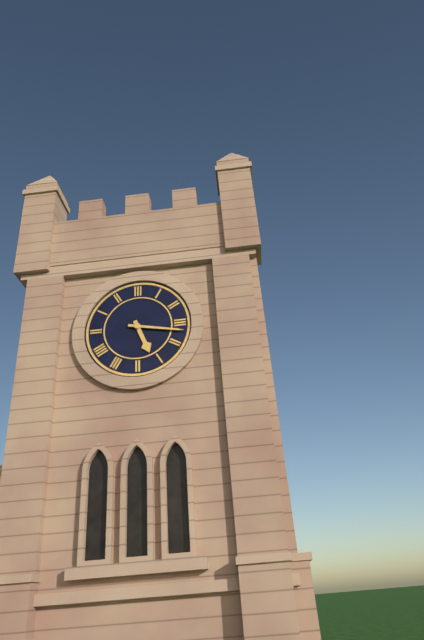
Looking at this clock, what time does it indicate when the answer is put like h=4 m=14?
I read h=5 m=17
